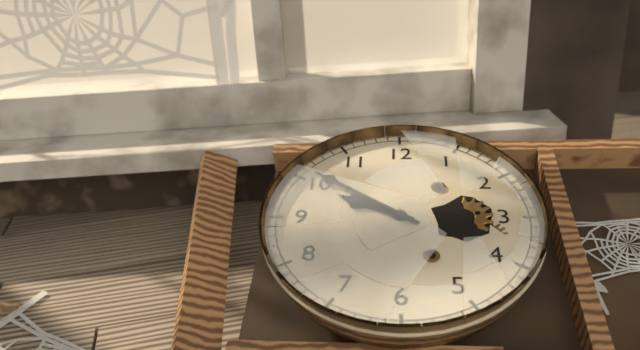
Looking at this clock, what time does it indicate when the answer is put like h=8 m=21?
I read h=9 m=51
